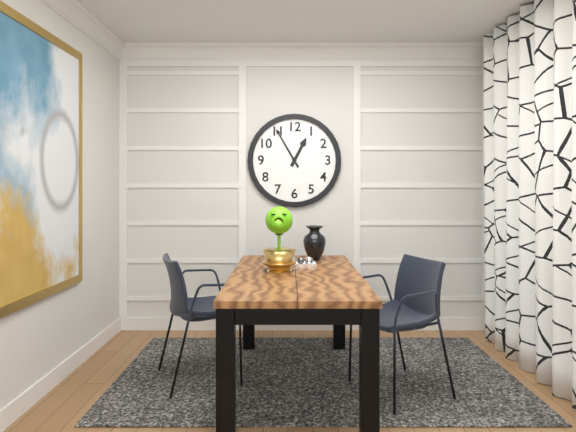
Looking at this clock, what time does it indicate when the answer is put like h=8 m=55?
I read h=12 m=55
